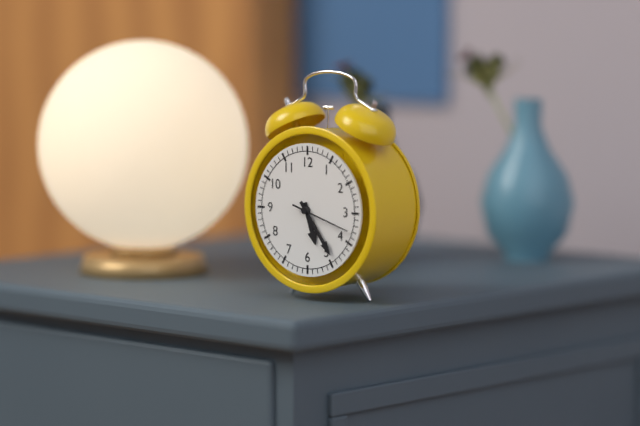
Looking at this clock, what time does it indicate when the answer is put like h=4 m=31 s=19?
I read h=5 m=24 s=18
